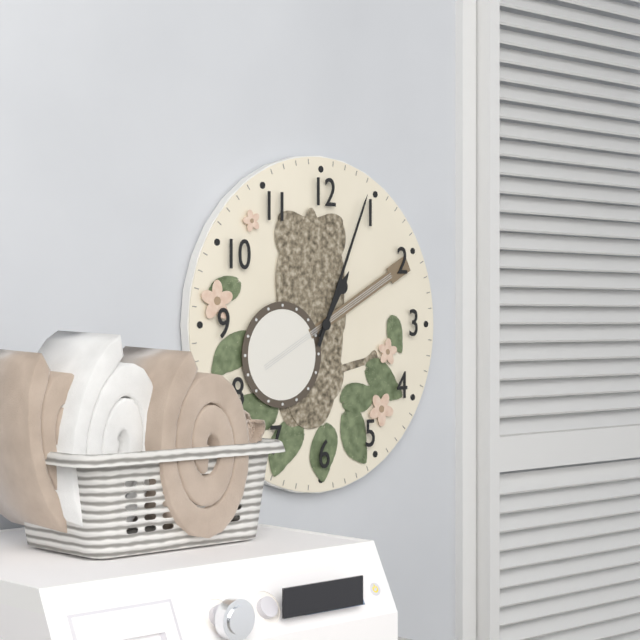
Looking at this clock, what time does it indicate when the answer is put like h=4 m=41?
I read h=1 m=4
